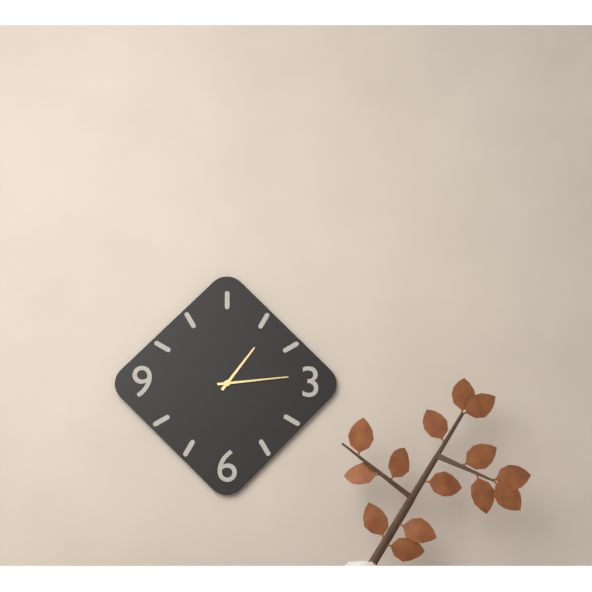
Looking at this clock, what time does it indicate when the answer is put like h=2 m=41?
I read h=1 m=14
